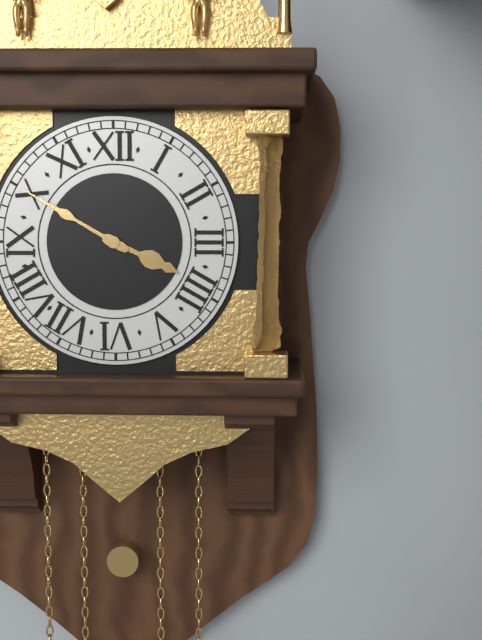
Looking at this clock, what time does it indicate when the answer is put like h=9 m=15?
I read h=3 m=50
